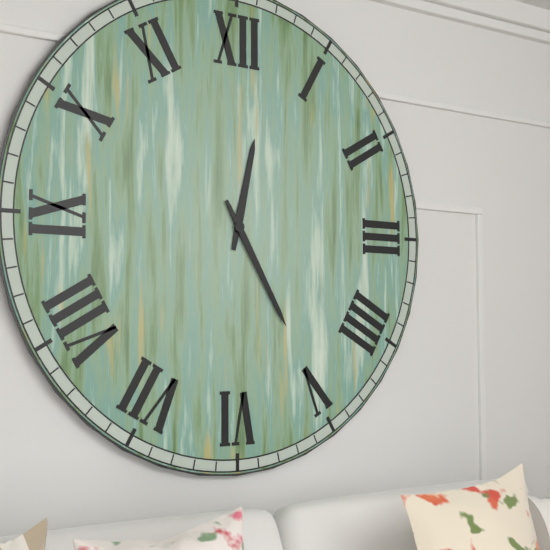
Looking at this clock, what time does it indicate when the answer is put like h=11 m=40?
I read h=12 m=25
